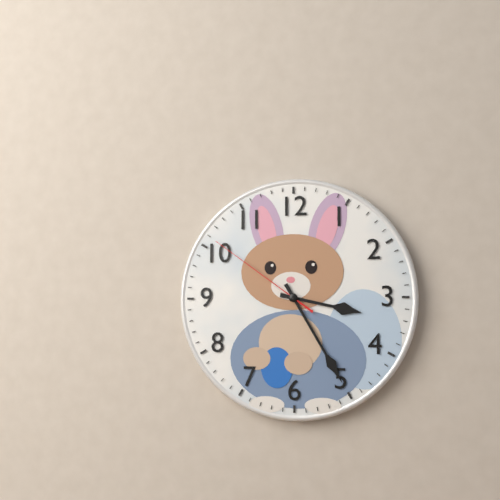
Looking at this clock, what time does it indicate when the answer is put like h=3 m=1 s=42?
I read h=3 m=25 s=51
